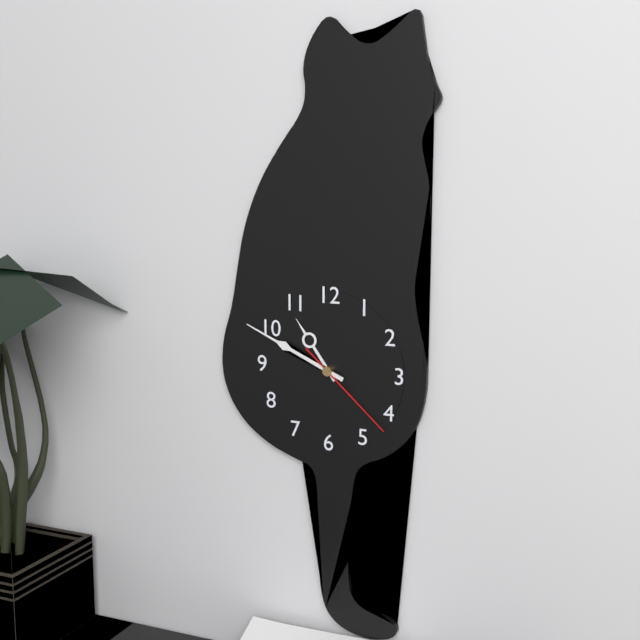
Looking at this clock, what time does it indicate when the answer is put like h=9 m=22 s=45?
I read h=10 m=49 s=22
